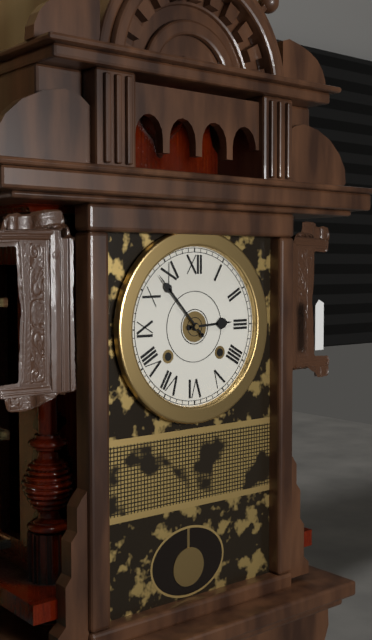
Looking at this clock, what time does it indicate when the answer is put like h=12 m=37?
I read h=2 m=53
